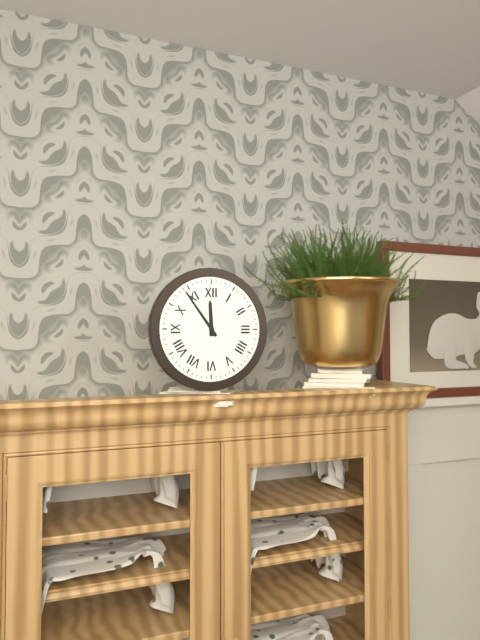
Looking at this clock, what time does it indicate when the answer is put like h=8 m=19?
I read h=11 m=54
